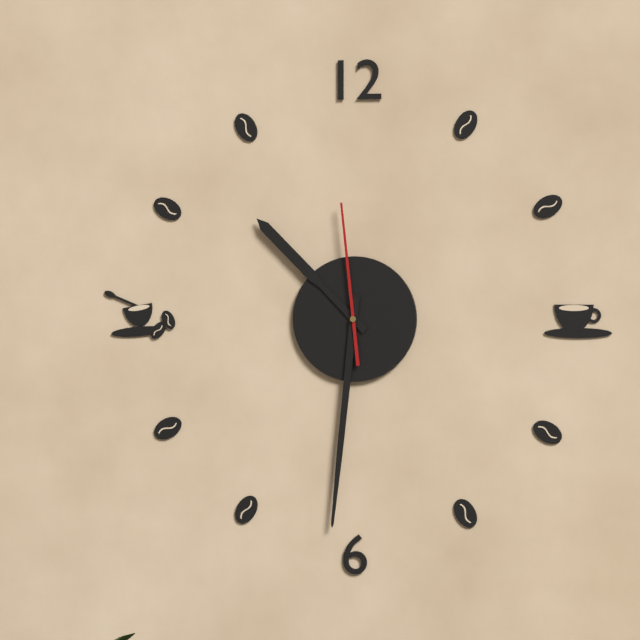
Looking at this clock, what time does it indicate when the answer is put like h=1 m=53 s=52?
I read h=10 m=31 s=59
